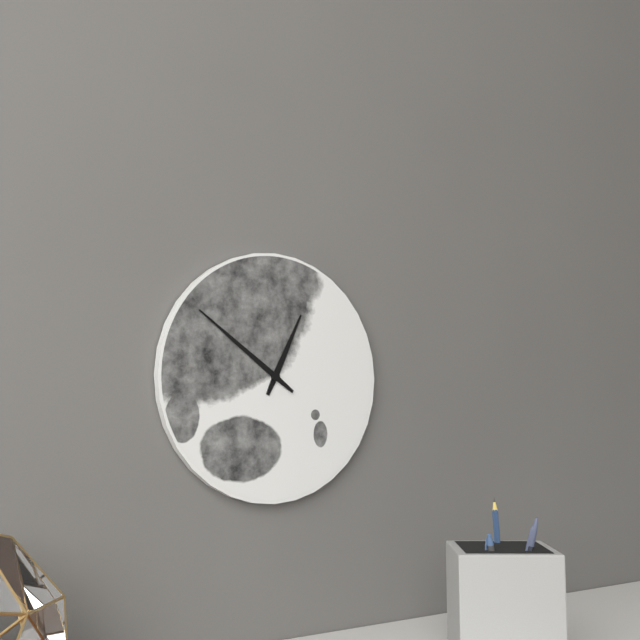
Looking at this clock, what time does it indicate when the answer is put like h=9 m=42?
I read h=12 m=51
